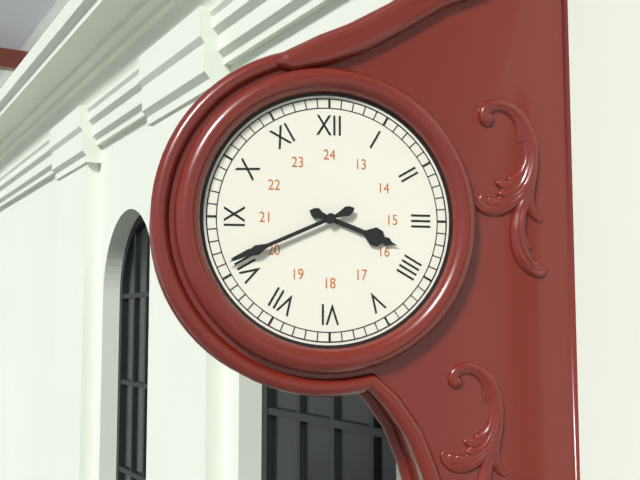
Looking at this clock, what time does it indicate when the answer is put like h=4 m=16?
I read h=3 m=41
